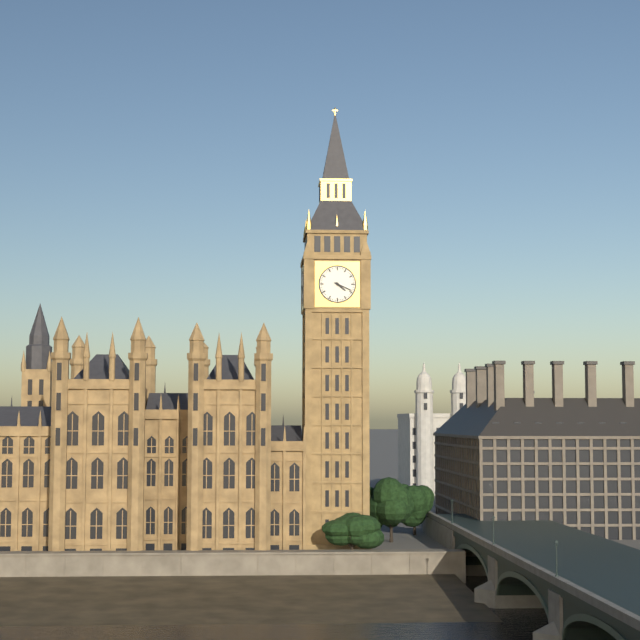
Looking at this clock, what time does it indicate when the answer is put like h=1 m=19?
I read h=4 m=19
